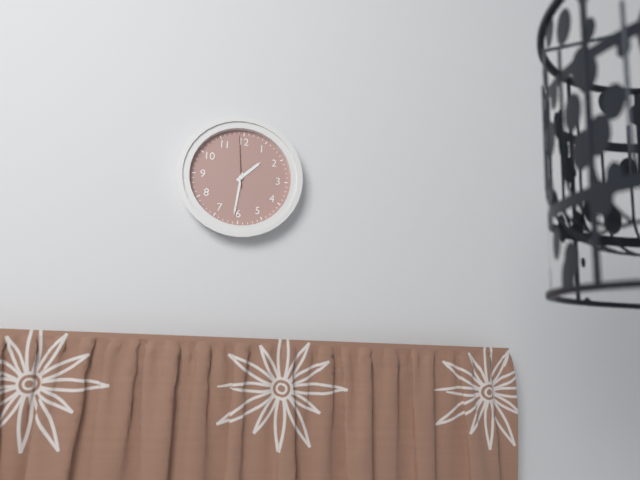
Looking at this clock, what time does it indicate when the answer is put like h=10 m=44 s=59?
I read h=1 m=31 s=59
